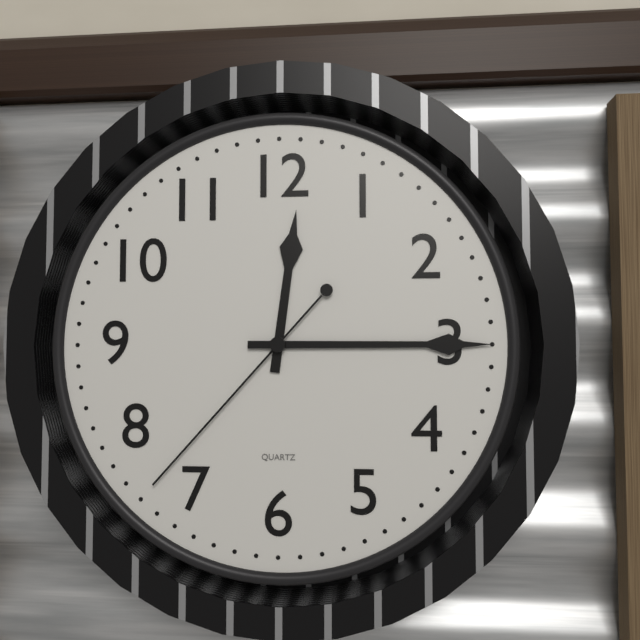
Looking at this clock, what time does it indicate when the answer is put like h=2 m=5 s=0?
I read h=12 m=15 s=37
